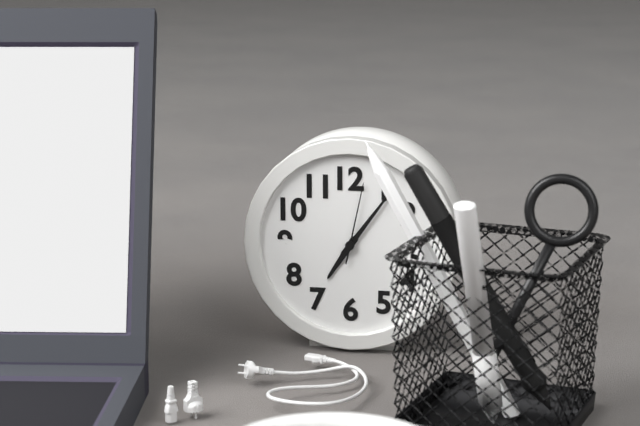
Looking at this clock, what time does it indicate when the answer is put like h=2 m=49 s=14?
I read h=7 m=6 s=2
